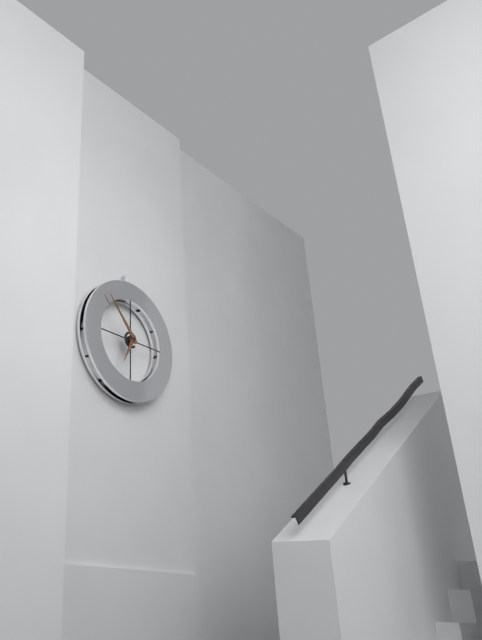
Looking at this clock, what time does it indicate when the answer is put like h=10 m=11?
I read h=6 m=53
